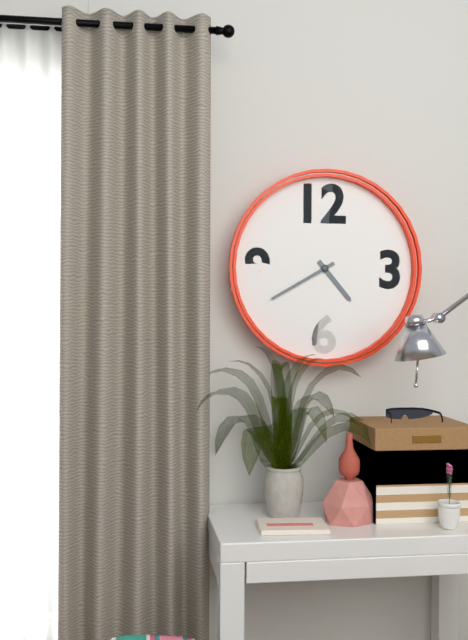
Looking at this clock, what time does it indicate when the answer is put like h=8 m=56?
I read h=4 m=40
